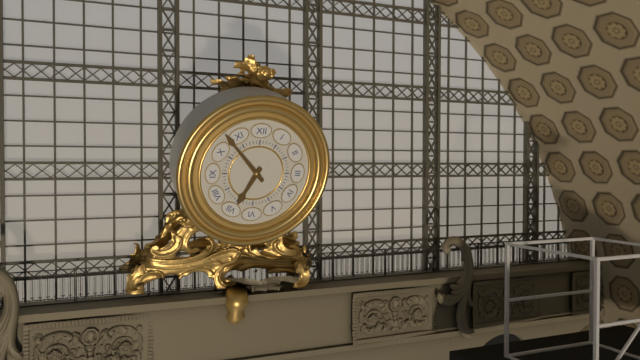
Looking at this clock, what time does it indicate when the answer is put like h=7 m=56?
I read h=6 m=53
